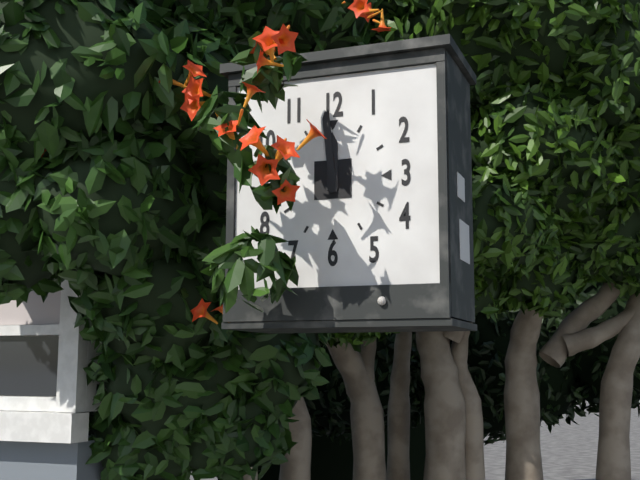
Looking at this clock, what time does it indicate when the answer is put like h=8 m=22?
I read h=11 m=59
